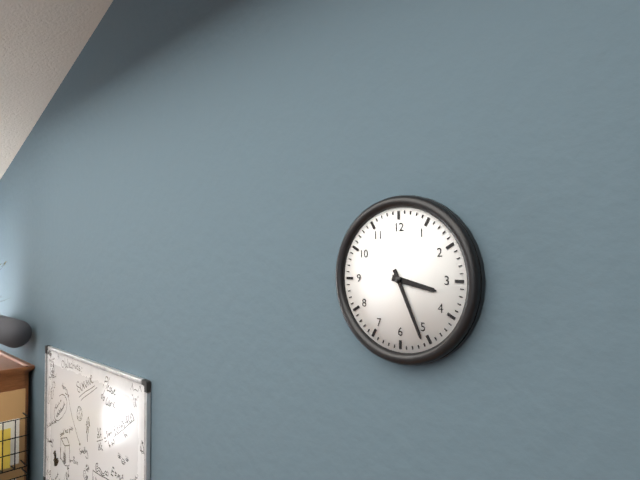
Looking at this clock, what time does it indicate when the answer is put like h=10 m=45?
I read h=3 m=26
